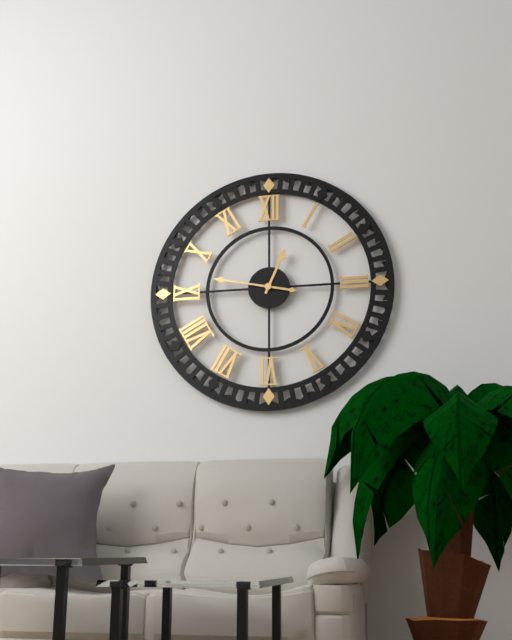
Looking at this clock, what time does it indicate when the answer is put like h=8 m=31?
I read h=12 m=47
